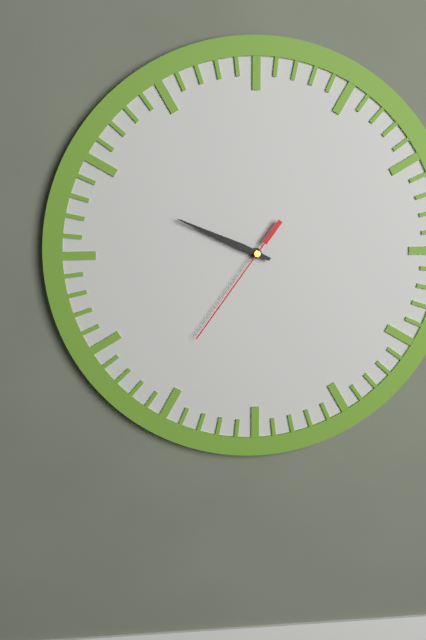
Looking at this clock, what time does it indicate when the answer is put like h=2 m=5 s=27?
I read h=9 m=49 s=36
